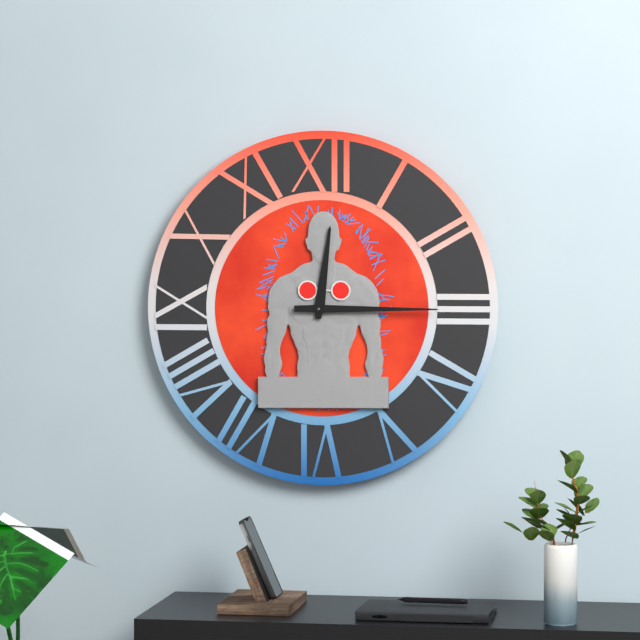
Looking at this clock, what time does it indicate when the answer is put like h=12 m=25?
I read h=12 m=15
